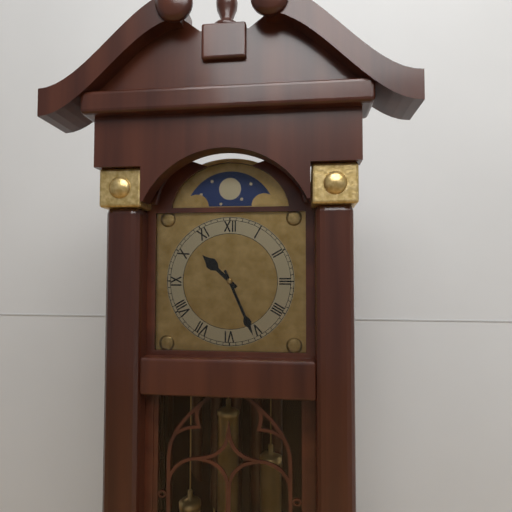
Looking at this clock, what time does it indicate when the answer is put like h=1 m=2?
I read h=10 m=26
